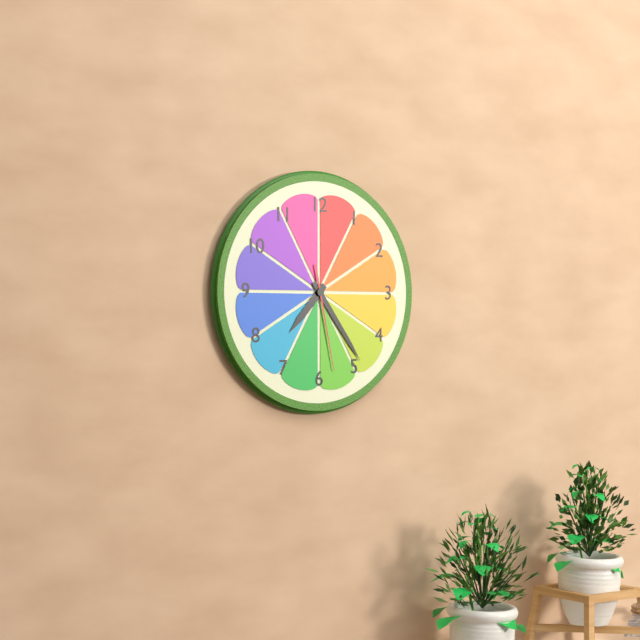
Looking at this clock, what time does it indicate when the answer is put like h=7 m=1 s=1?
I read h=7 m=24 s=28
